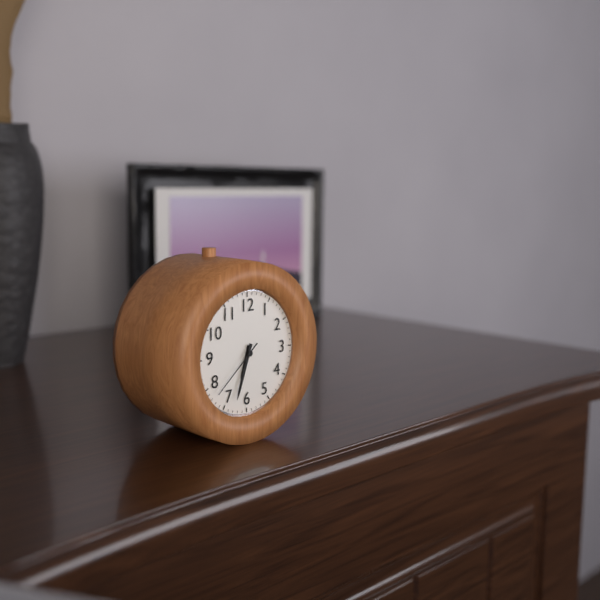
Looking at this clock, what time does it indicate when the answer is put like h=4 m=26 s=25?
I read h=6 m=33 s=38
